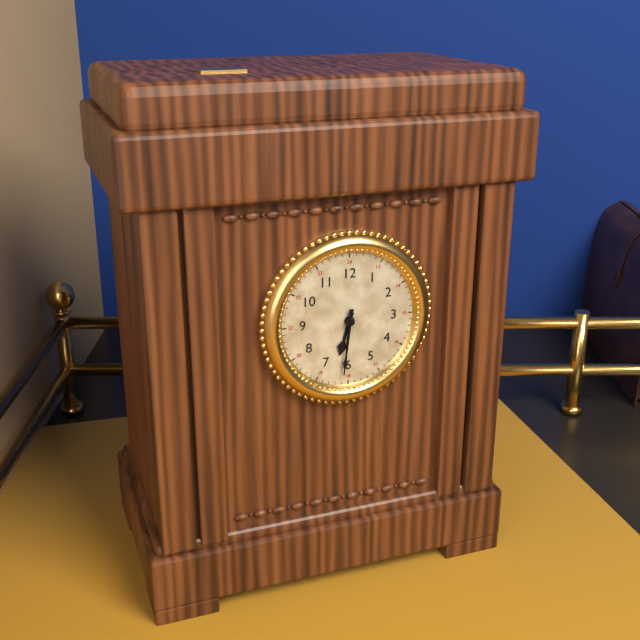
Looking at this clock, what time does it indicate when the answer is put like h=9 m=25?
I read h=6 m=31
